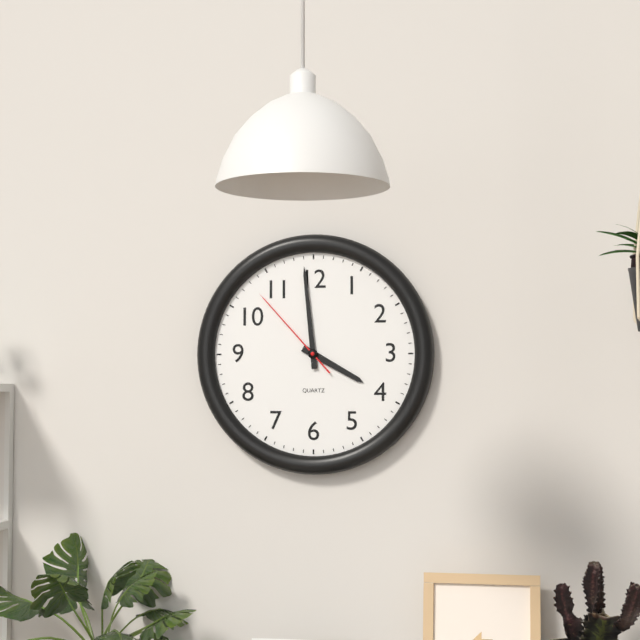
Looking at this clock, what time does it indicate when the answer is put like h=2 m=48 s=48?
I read h=3 m=59 s=53
